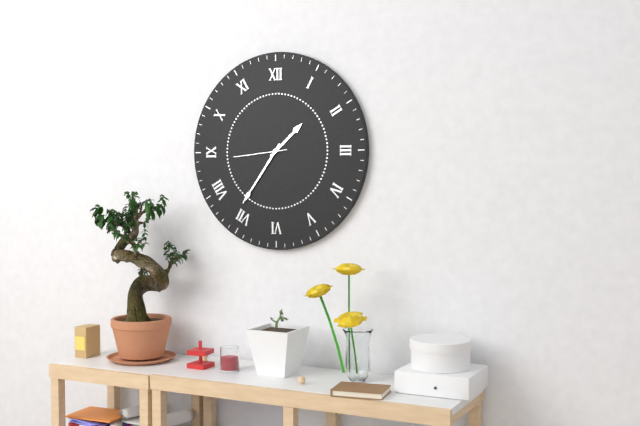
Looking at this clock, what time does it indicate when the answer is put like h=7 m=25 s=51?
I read h=1 m=36 s=44
